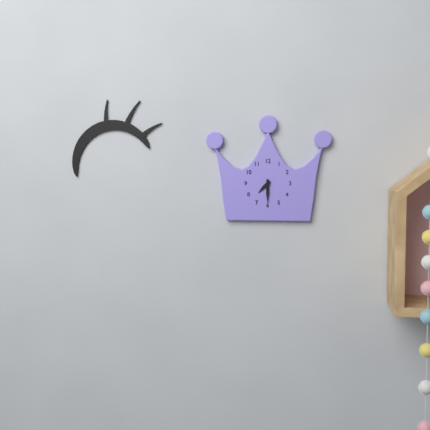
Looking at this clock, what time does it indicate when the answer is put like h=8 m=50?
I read h=7 m=30
